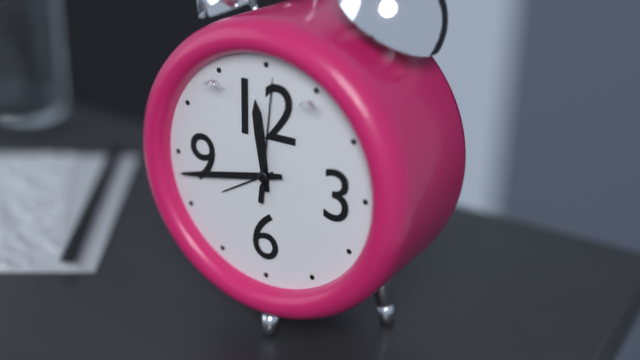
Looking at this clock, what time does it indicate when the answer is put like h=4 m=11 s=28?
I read h=11 m=43 s=1
